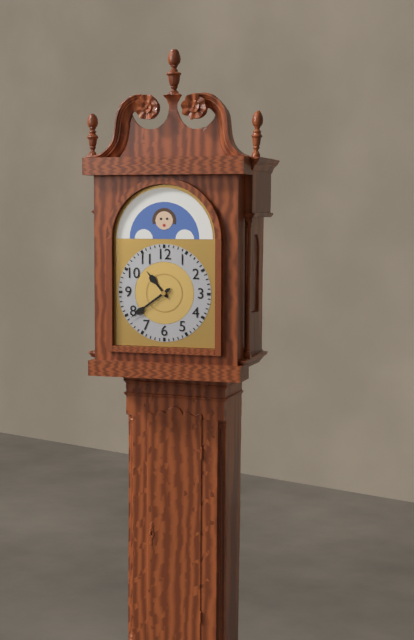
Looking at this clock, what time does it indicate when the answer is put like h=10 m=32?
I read h=10 m=39
